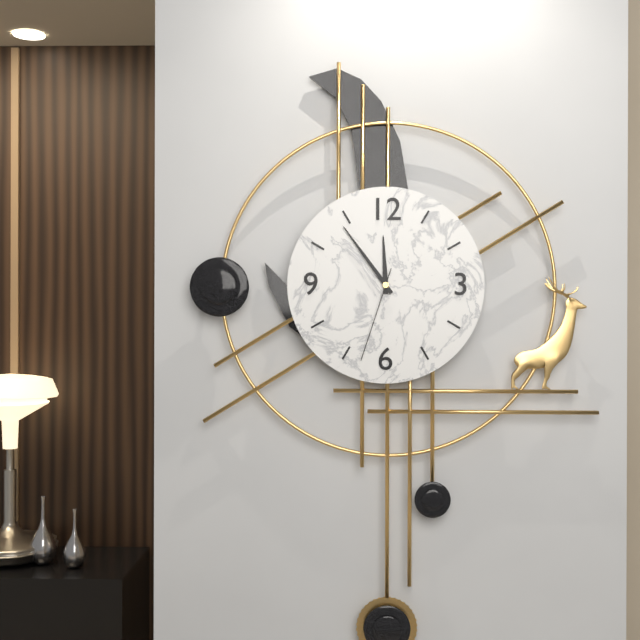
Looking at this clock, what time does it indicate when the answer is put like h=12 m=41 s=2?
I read h=11 m=54 s=33
